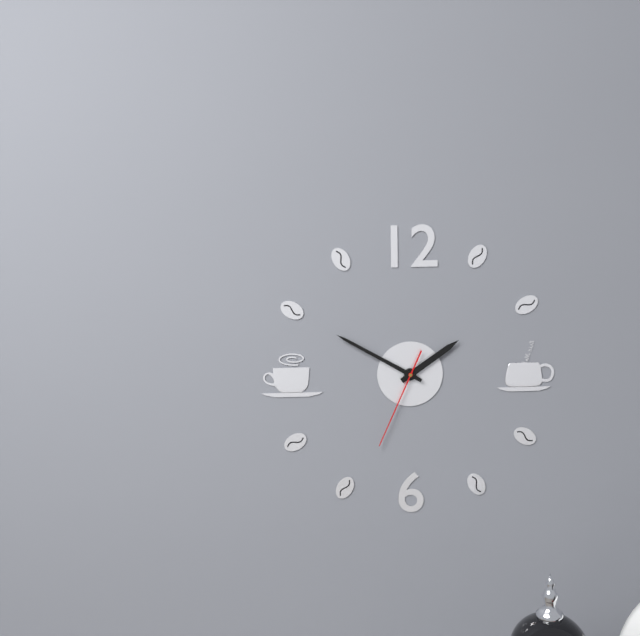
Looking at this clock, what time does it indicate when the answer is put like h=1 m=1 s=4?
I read h=1 m=50 s=34
